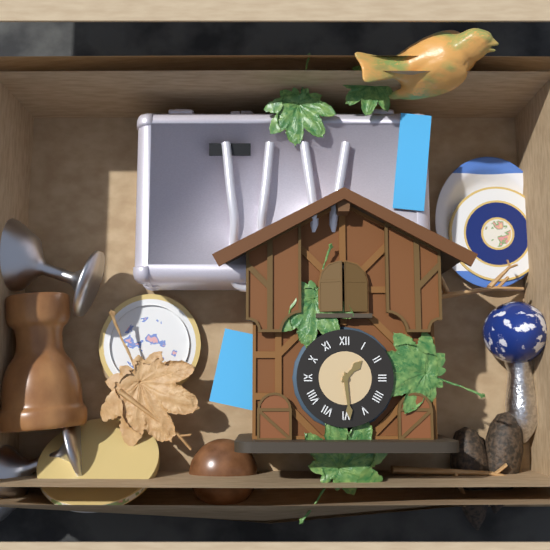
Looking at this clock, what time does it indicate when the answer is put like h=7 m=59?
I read h=1 m=29
